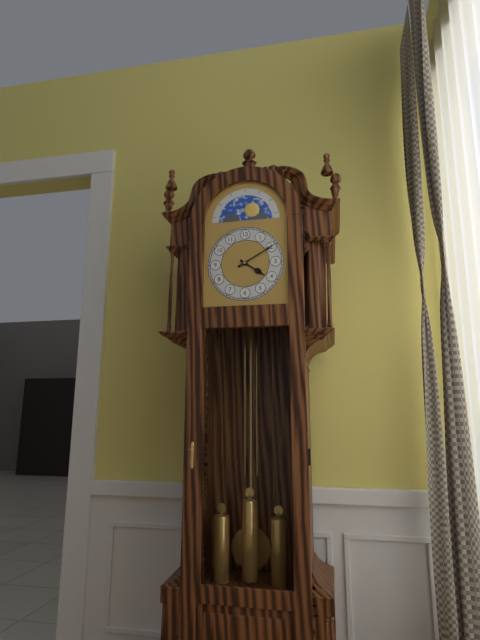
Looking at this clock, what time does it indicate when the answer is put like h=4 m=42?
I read h=4 m=10
